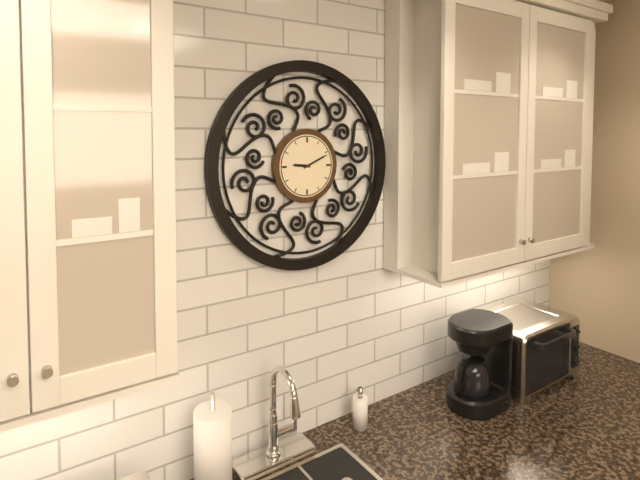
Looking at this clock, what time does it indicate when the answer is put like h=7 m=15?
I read h=9 m=11
